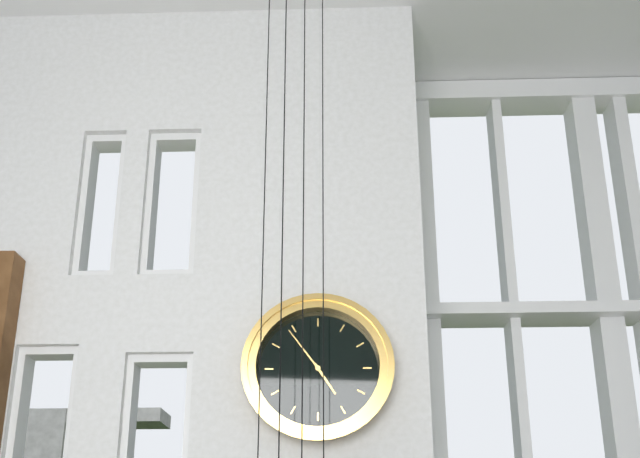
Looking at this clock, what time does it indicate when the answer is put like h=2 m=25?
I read h=4 m=54
